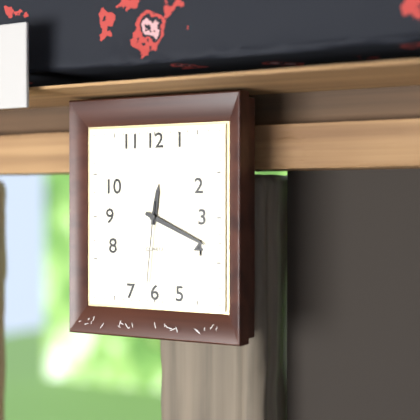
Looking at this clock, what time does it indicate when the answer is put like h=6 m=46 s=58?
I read h=12 m=19 s=31
